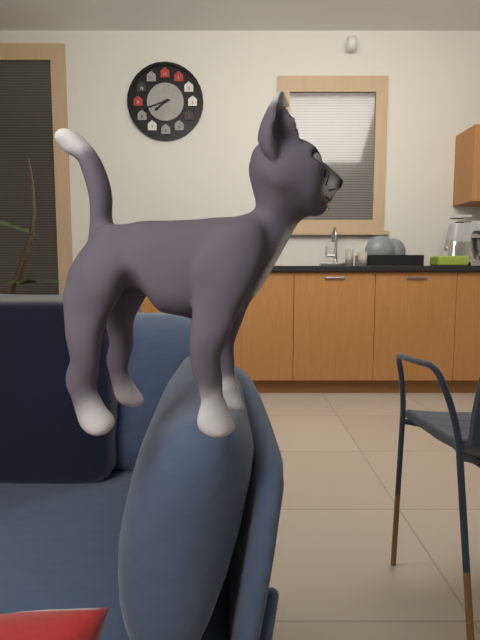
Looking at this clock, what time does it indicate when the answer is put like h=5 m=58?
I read h=7 m=42
